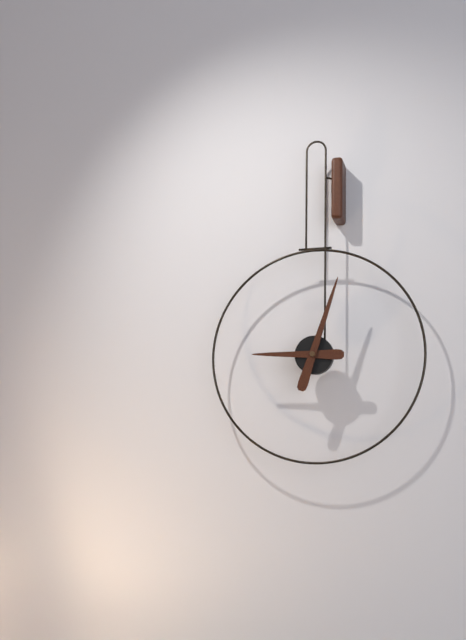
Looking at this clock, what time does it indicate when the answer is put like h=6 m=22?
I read h=9 m=3
